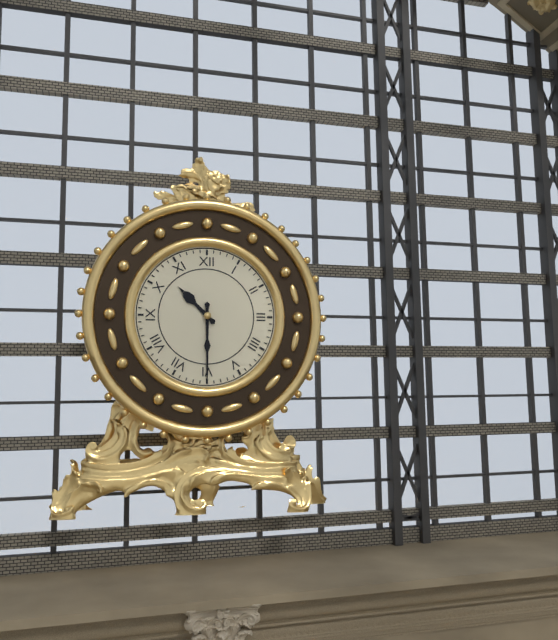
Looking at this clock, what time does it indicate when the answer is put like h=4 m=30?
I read h=10 m=30
